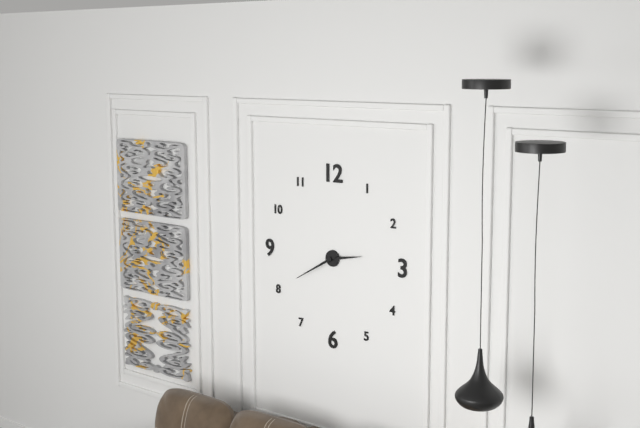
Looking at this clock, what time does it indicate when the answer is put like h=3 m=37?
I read h=2 m=40
